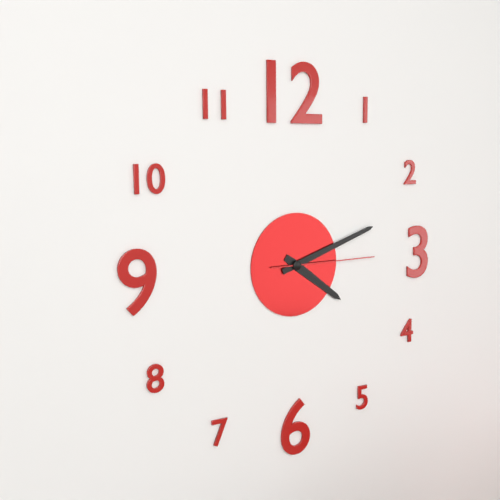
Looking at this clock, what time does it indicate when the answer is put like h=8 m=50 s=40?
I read h=4 m=12 s=15
